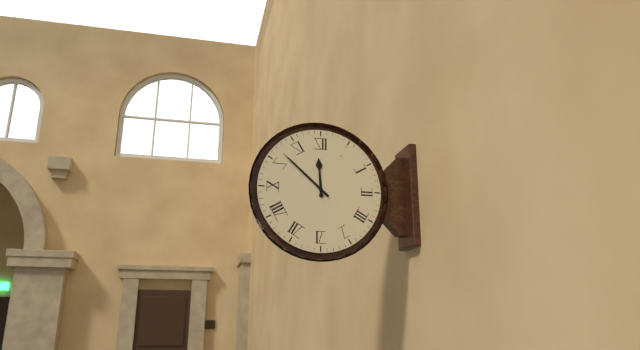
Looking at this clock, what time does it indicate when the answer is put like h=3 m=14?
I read h=11 m=52
